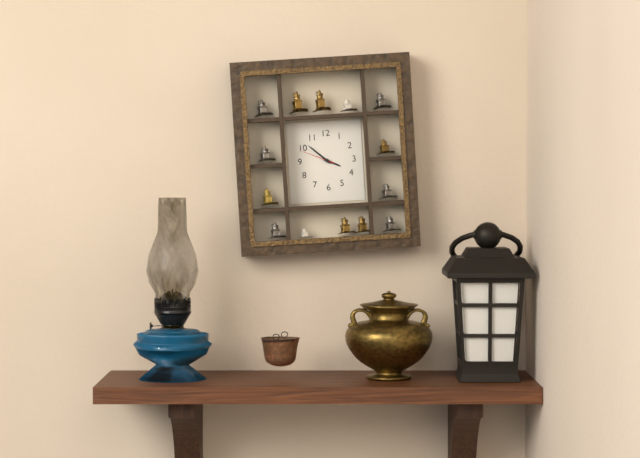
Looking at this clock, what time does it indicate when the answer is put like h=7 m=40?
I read h=3 m=52
